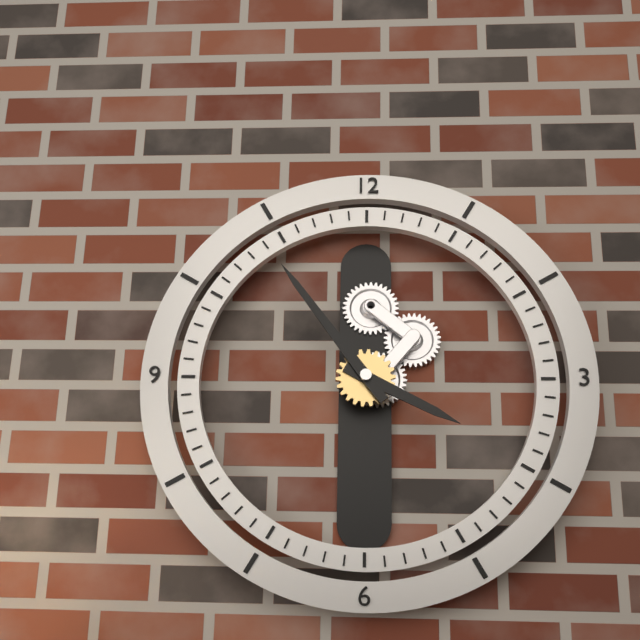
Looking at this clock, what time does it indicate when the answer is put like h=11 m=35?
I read h=3 m=54
